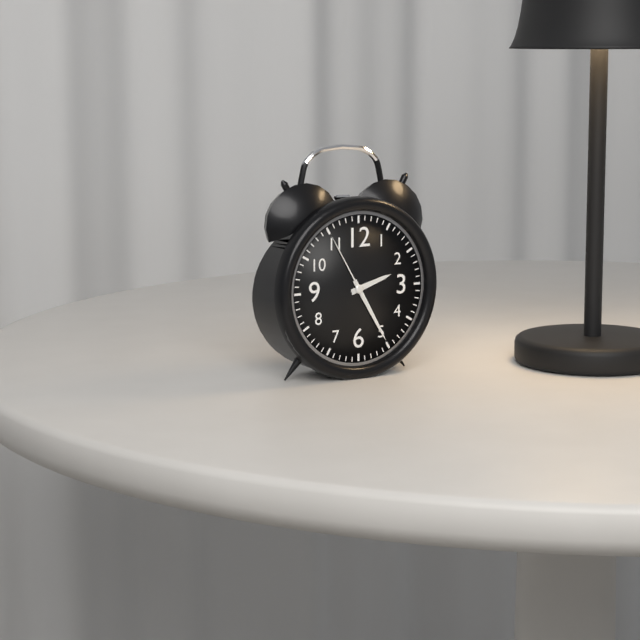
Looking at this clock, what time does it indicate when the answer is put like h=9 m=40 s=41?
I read h=2 m=25 s=55
